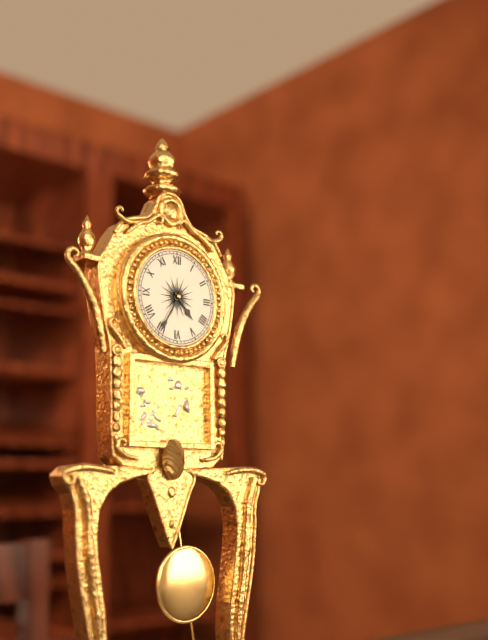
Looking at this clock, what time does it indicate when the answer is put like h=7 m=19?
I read h=4 m=35
